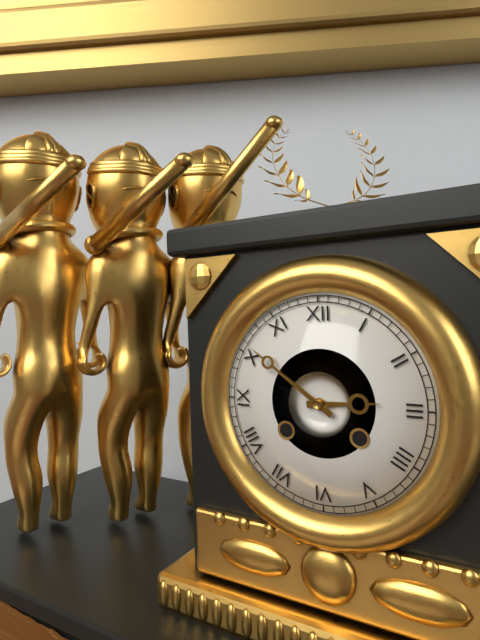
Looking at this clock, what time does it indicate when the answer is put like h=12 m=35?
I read h=2 m=51
